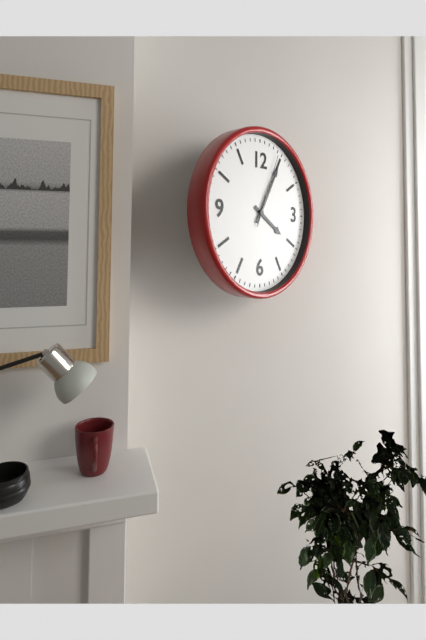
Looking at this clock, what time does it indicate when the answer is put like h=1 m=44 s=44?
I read h=4 m=5 s=4
